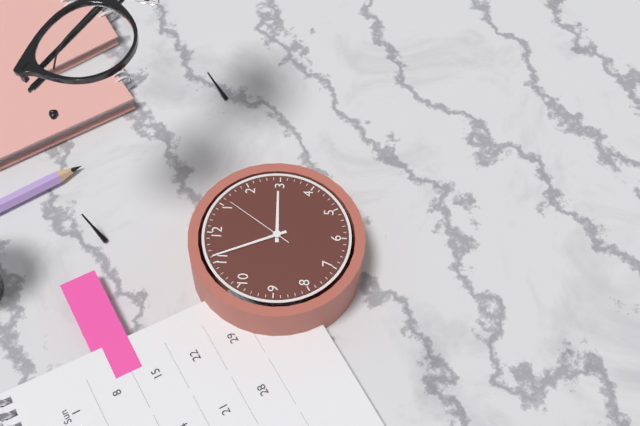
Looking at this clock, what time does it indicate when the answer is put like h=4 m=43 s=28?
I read h=2 m=56 s=6
